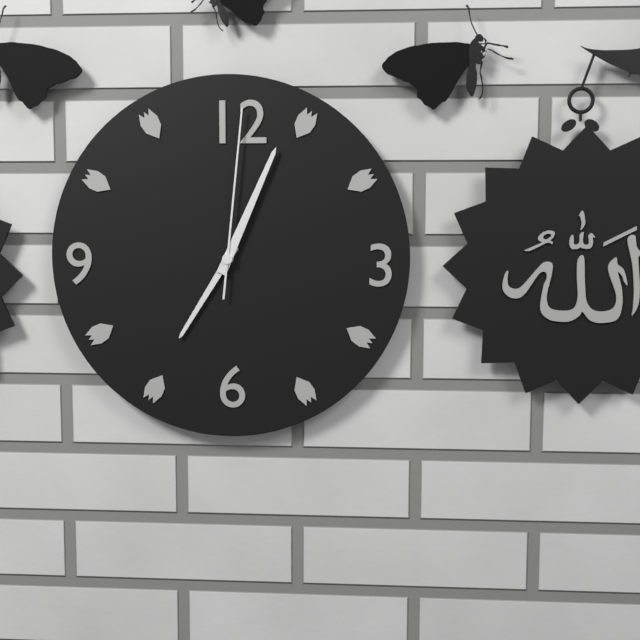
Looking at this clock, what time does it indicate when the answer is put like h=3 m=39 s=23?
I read h=7 m=4 s=1
